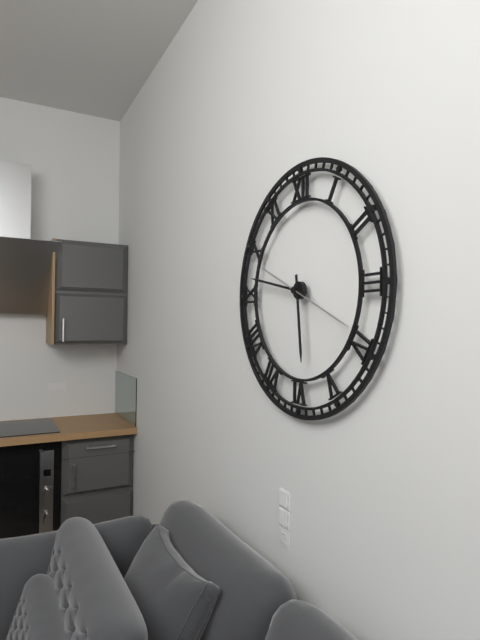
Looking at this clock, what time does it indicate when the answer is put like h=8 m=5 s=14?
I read h=5 m=47 s=19
